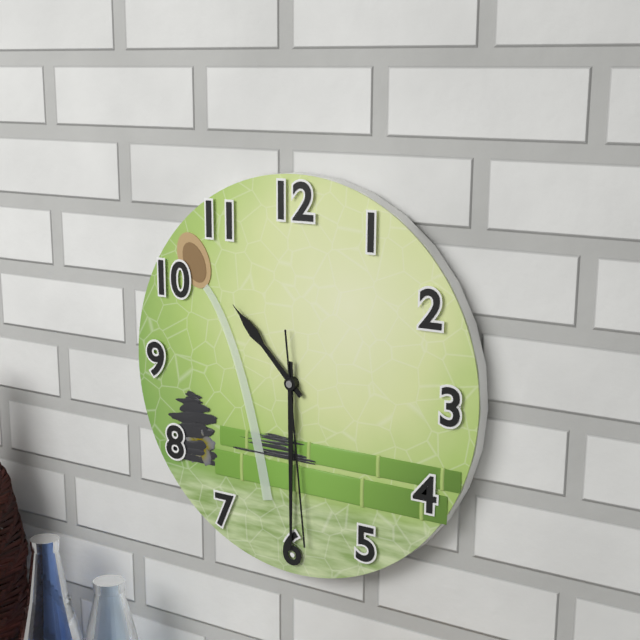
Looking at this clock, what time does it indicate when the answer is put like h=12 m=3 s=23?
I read h=10 m=30 s=29
